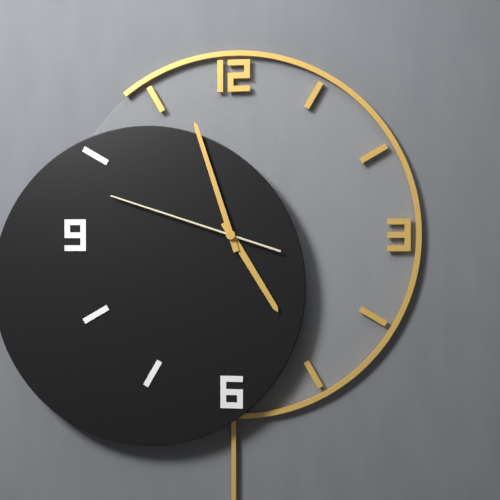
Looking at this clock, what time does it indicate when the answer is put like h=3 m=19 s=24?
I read h=4 m=57 s=48
